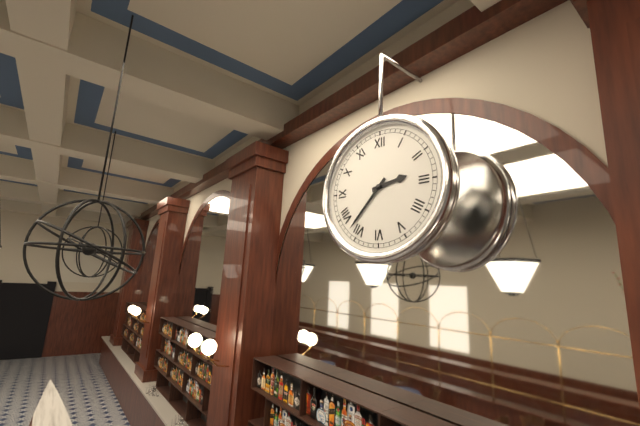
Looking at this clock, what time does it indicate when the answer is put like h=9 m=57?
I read h=2 m=37
